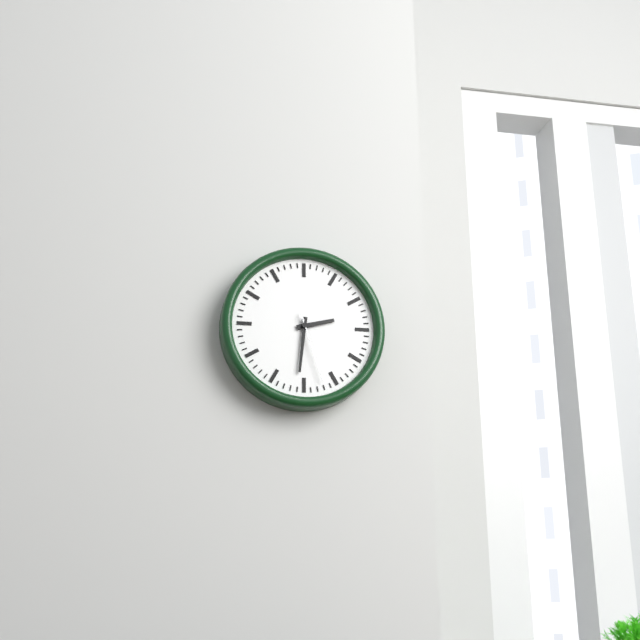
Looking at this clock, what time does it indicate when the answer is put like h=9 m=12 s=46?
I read h=2 m=31 s=27
